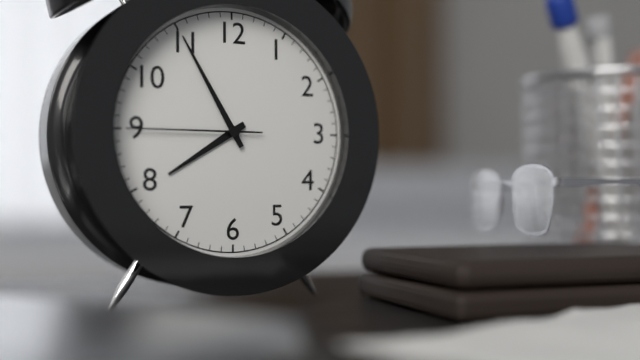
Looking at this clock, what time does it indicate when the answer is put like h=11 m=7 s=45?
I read h=7 m=55 s=45
